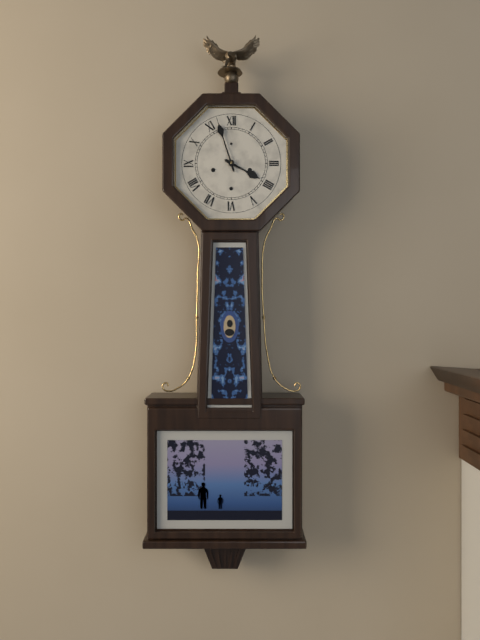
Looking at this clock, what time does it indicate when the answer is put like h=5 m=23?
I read h=3 m=57
